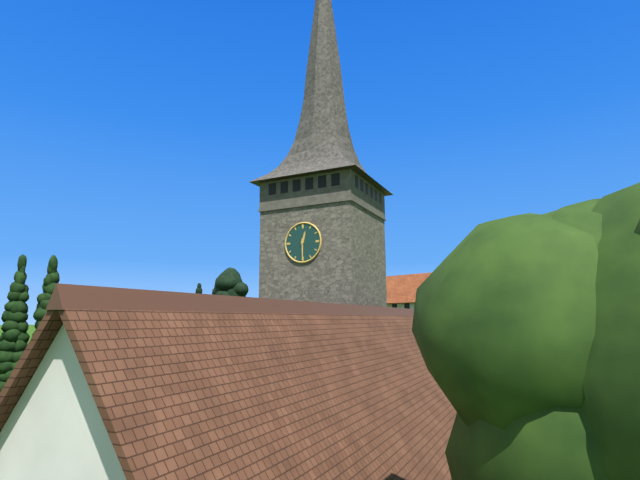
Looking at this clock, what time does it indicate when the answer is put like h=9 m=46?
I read h=12 m=30
